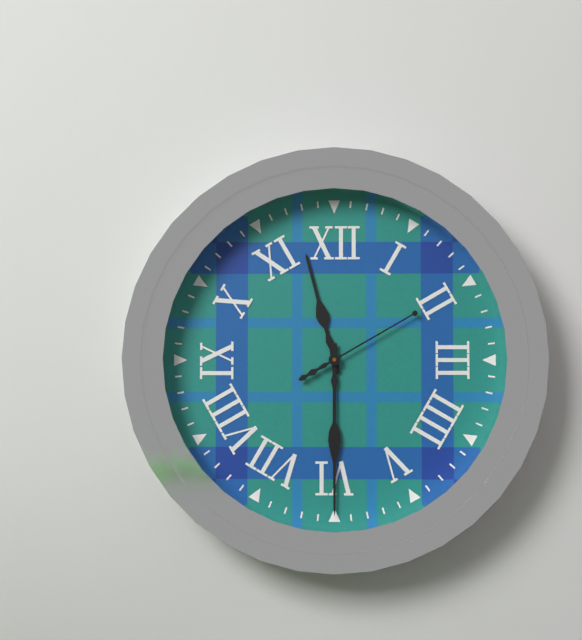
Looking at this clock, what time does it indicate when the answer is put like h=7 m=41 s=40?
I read h=11 m=30 s=10
